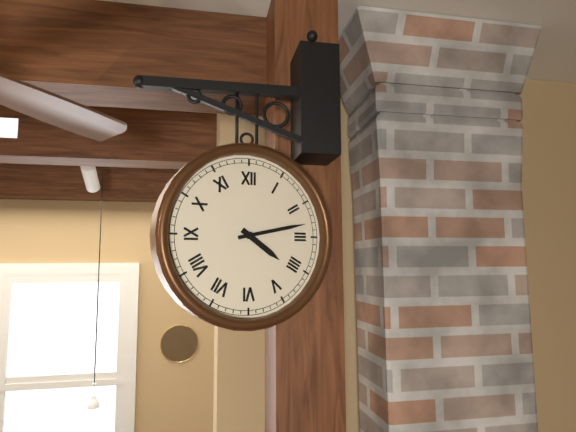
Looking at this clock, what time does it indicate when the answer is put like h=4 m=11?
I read h=4 m=13
